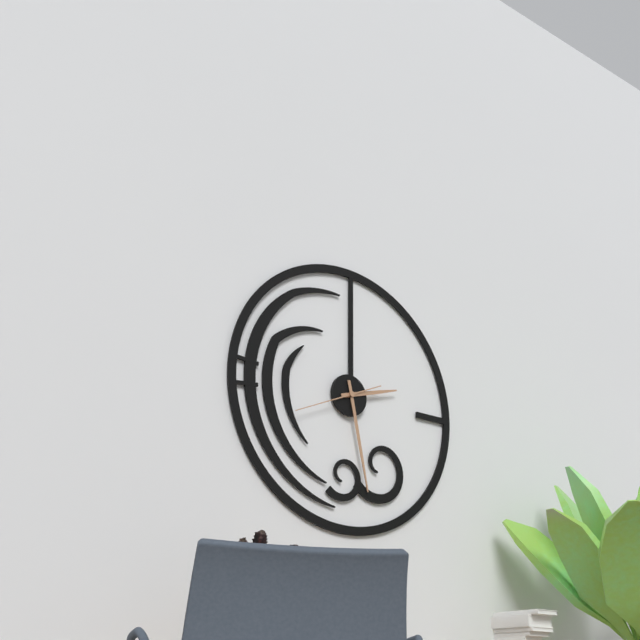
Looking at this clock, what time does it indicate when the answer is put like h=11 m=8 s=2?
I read h=2 m=28 s=41
